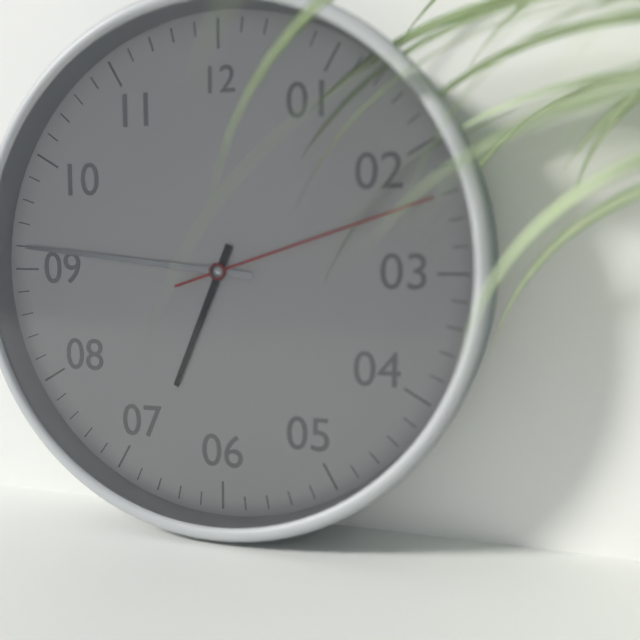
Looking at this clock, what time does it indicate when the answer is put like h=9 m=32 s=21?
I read h=6 m=46 s=12
